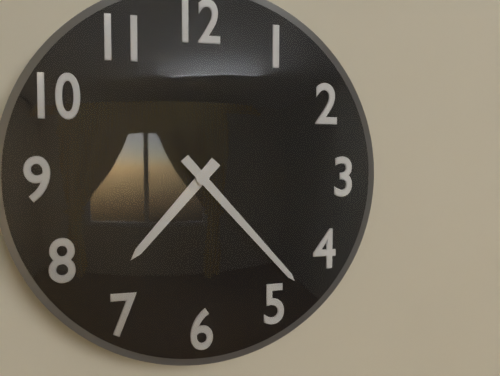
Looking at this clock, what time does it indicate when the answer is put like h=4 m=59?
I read h=7 m=23
